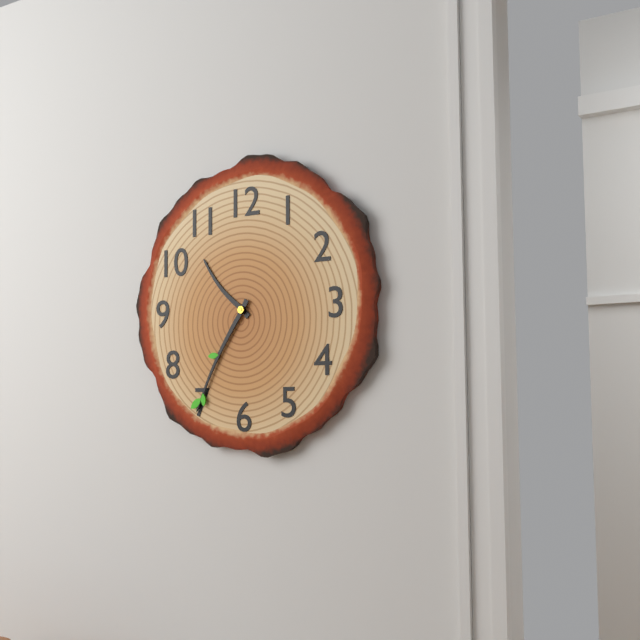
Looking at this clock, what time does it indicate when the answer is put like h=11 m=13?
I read h=10 m=35
